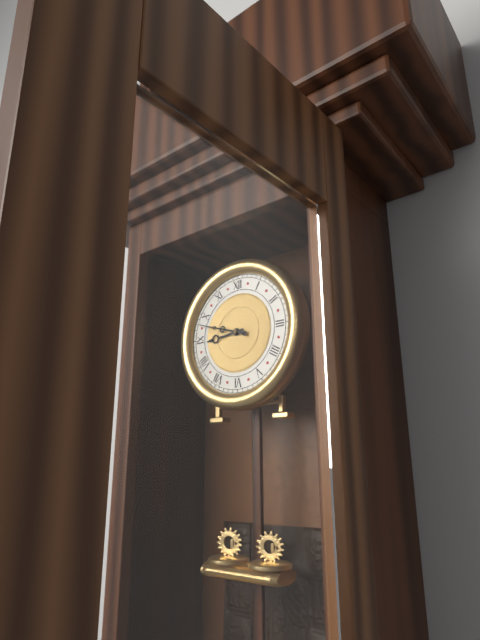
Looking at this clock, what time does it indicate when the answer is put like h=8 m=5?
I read h=8 m=48
